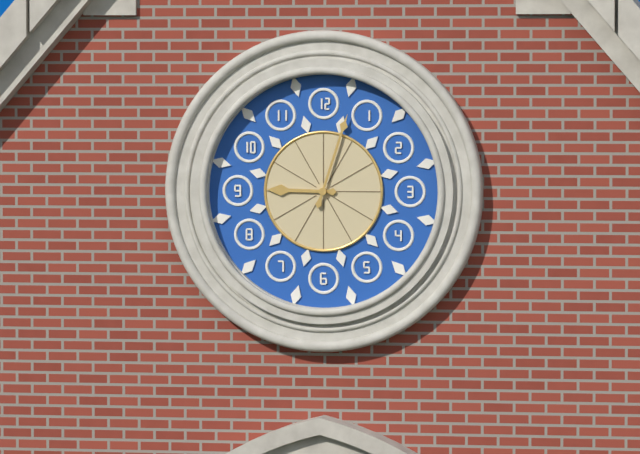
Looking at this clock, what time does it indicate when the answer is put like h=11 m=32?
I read h=9 m=3
